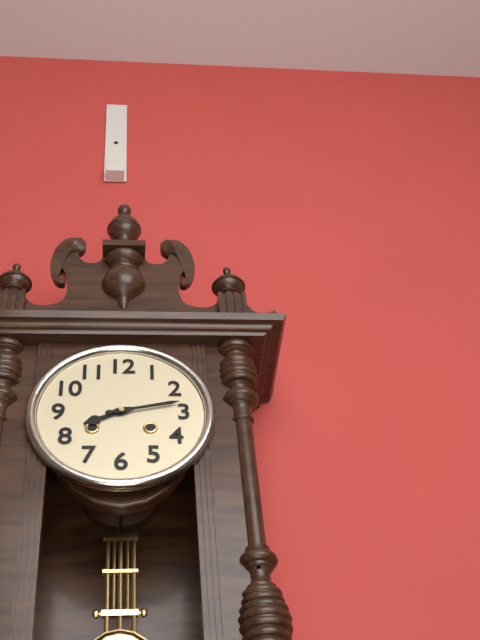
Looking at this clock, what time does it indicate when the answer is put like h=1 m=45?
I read h=8 m=13
